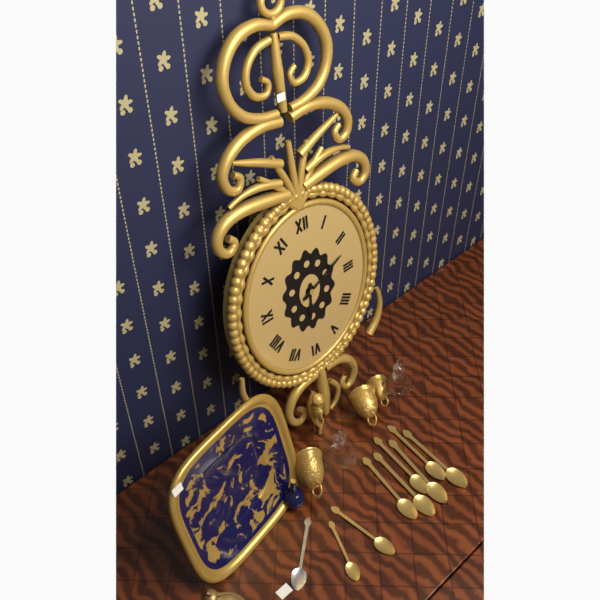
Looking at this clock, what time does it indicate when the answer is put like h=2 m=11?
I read h=6 m=11
